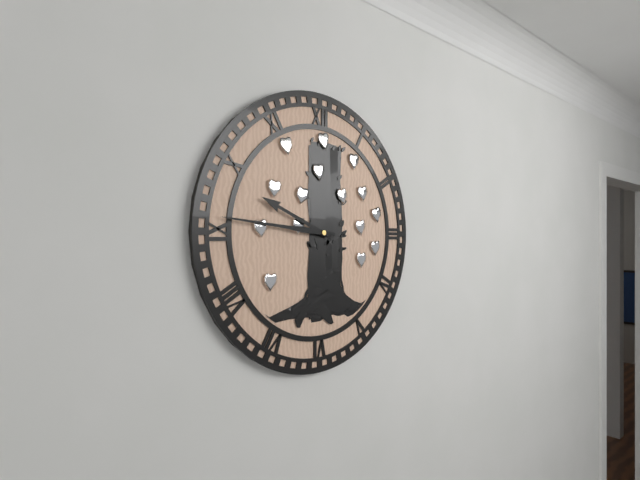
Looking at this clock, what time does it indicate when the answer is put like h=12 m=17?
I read h=9 m=46
